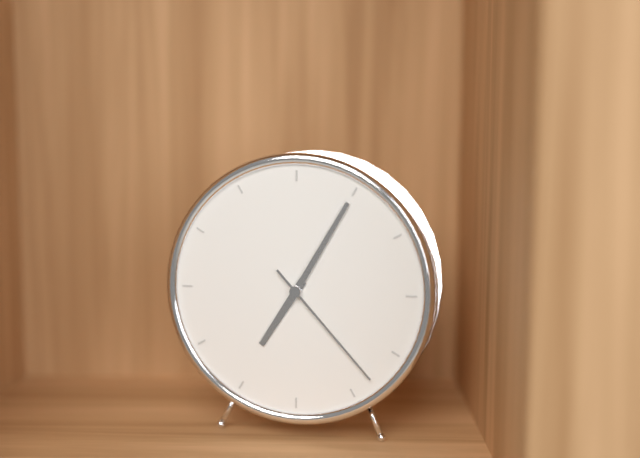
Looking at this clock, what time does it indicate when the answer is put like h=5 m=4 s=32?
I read h=7 m=5 s=23
